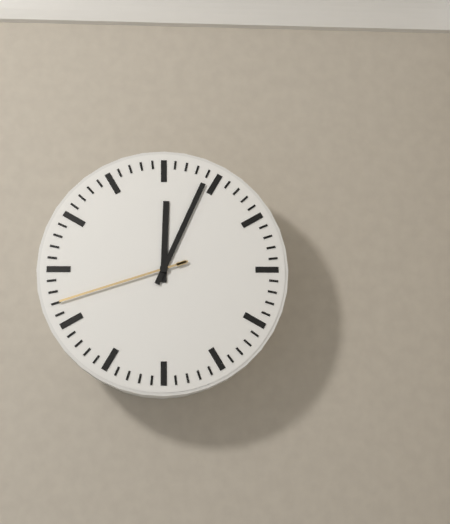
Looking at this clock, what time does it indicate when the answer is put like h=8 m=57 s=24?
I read h=12 m=4 s=42
